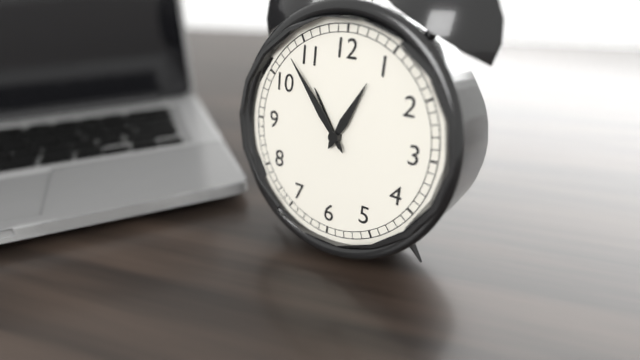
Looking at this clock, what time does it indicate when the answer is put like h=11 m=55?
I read h=12 m=53
